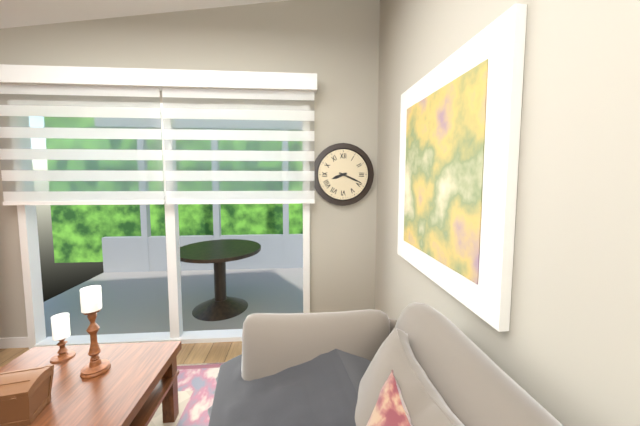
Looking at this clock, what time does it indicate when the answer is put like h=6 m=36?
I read h=8 m=19
